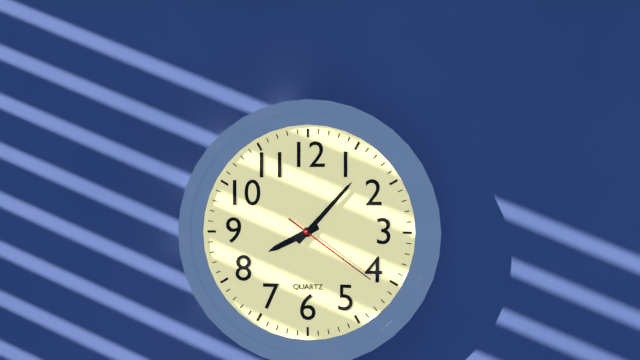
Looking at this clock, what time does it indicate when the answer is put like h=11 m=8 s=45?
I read h=8 m=7 s=21
